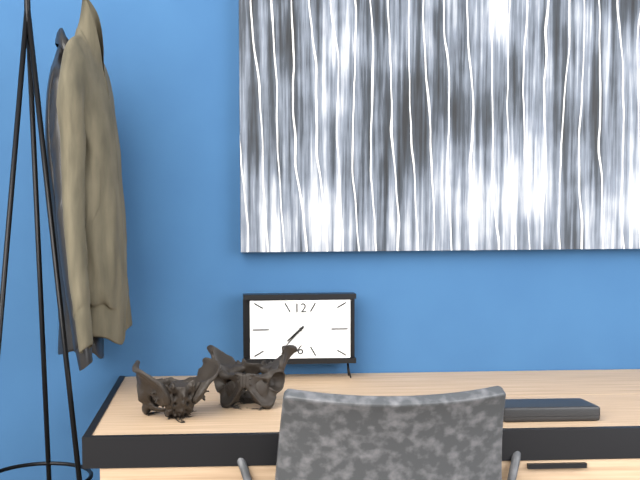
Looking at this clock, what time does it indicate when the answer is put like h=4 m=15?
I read h=7 m=37
